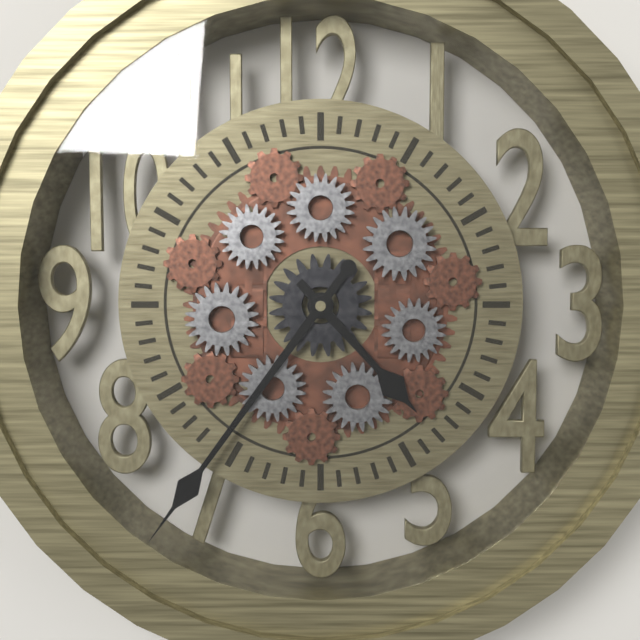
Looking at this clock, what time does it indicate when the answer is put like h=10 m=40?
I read h=4 m=36
